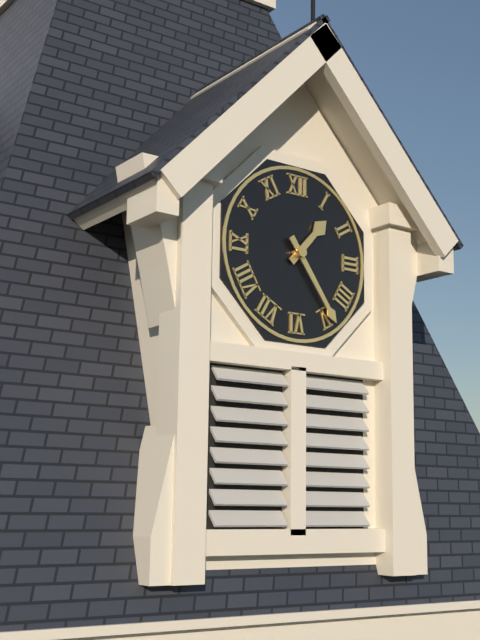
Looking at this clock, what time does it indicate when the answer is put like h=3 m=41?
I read h=1 m=24
